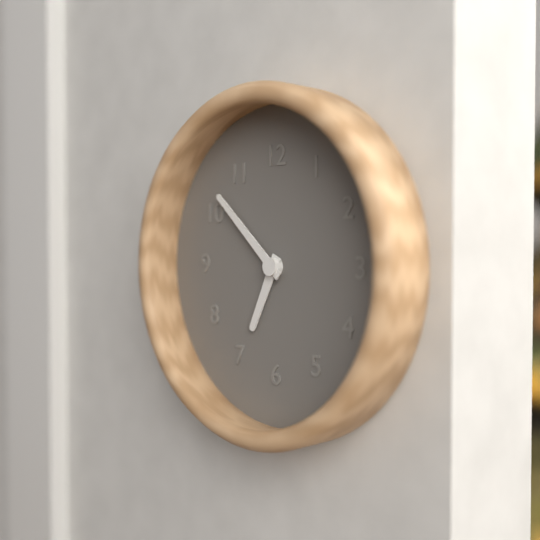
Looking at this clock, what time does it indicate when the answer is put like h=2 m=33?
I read h=6 m=52
